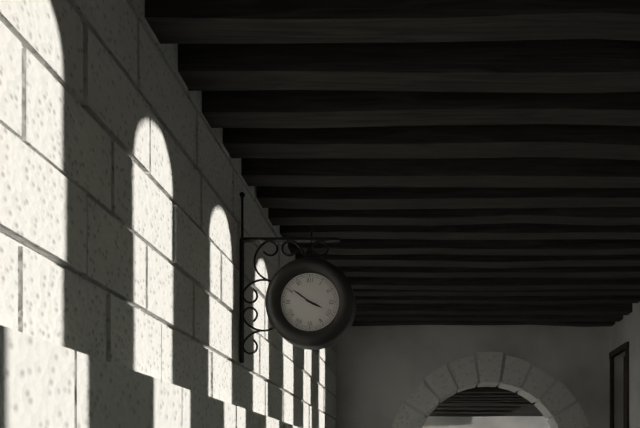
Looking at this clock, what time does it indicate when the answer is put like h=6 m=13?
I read h=3 m=51
